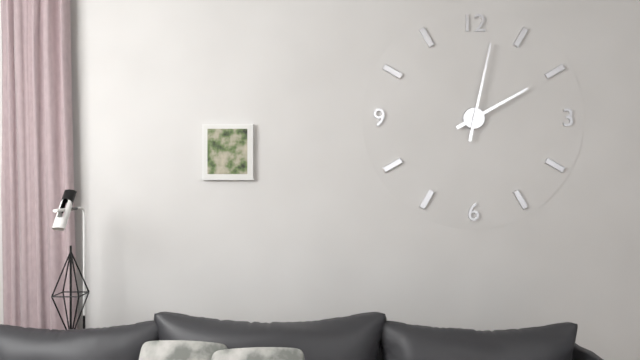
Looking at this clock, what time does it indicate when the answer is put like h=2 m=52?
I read h=2 m=2
